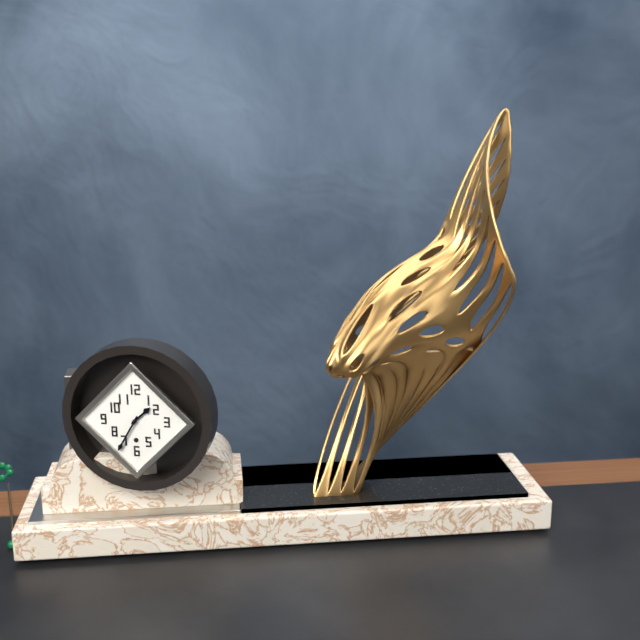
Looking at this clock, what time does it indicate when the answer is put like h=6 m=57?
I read h=1 m=35
